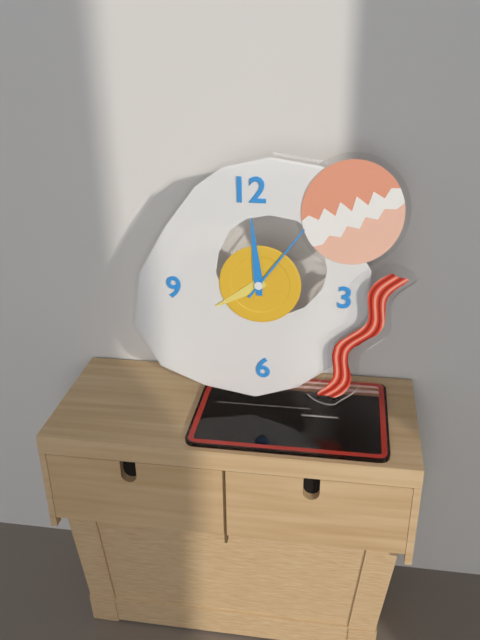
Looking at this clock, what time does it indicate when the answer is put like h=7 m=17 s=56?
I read h=7 m=59 s=6
